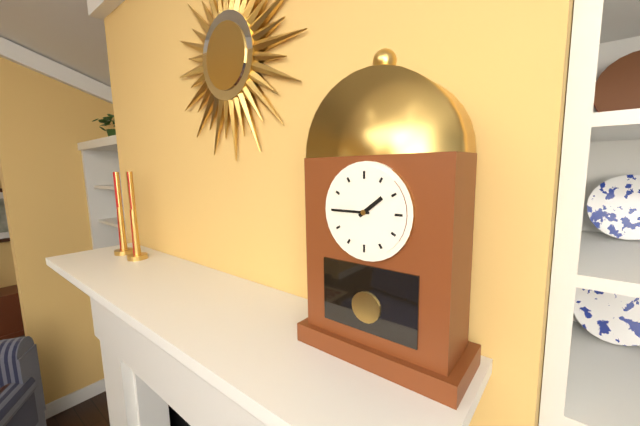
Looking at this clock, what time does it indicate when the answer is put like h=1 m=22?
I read h=1 m=45
